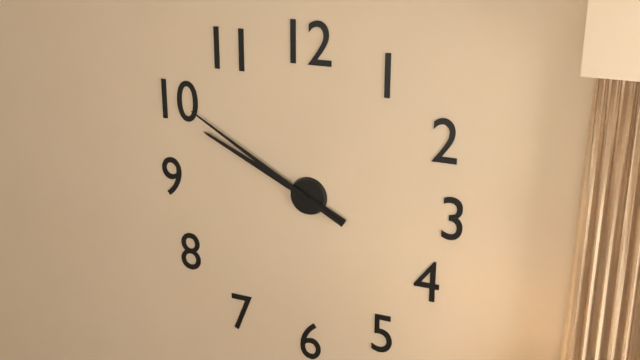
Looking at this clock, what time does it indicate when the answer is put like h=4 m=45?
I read h=9 m=50
